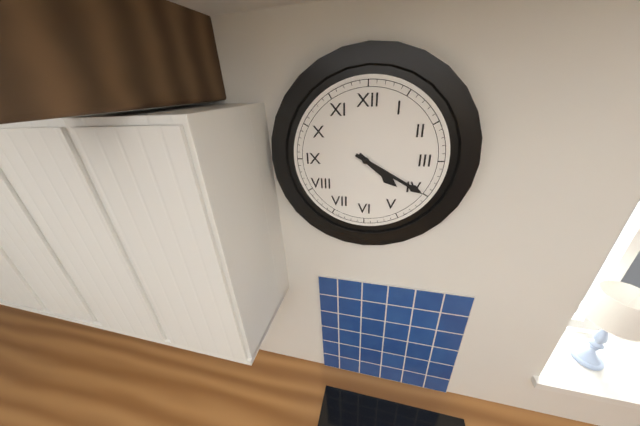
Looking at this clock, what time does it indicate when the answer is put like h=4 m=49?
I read h=4 m=20
